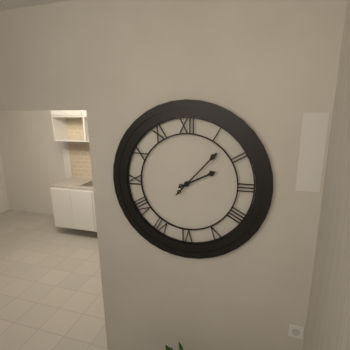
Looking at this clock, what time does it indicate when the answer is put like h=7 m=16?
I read h=2 m=7
